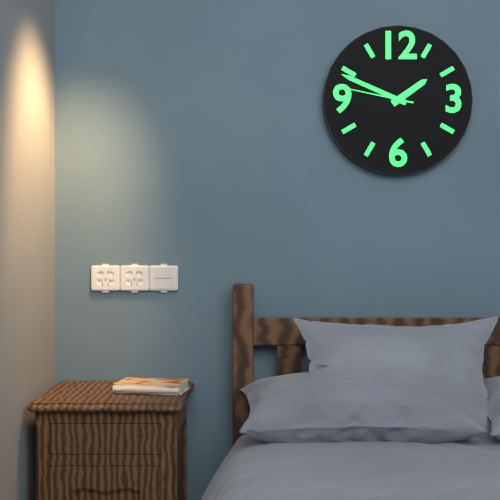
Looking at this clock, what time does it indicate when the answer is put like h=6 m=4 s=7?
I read h=1 m=49 s=47
